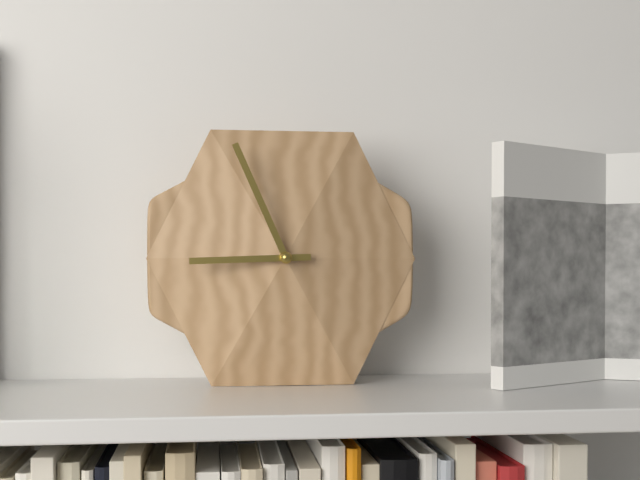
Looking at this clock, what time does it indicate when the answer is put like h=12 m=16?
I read h=8 m=56
